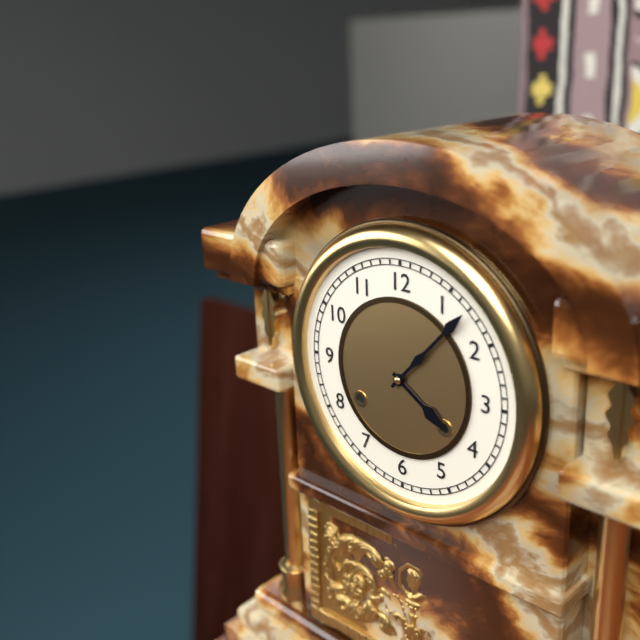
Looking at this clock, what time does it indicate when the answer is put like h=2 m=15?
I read h=4 m=7
